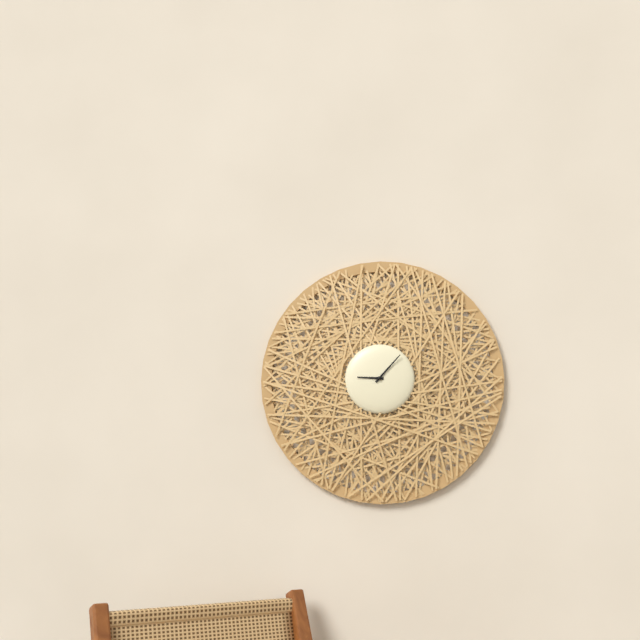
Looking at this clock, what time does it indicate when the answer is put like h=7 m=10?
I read h=9 m=7
